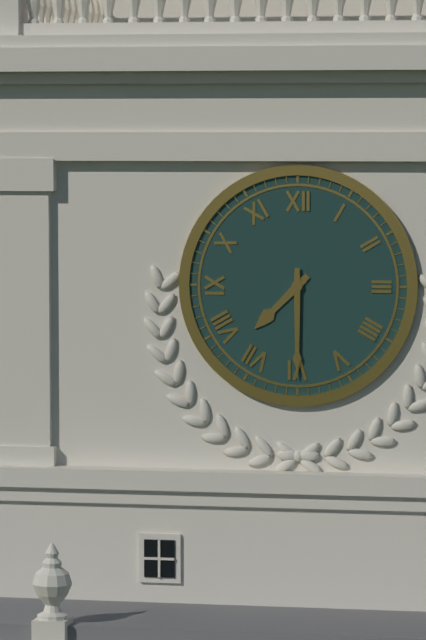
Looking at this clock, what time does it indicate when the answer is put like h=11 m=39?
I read h=7 m=30
